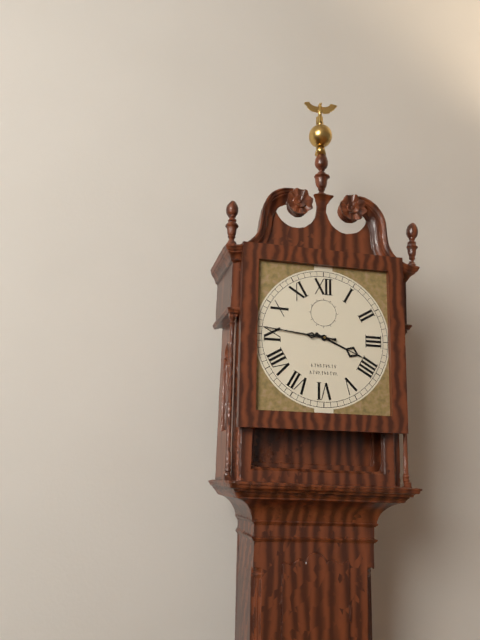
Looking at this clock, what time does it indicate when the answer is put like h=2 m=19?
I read h=3 m=46
